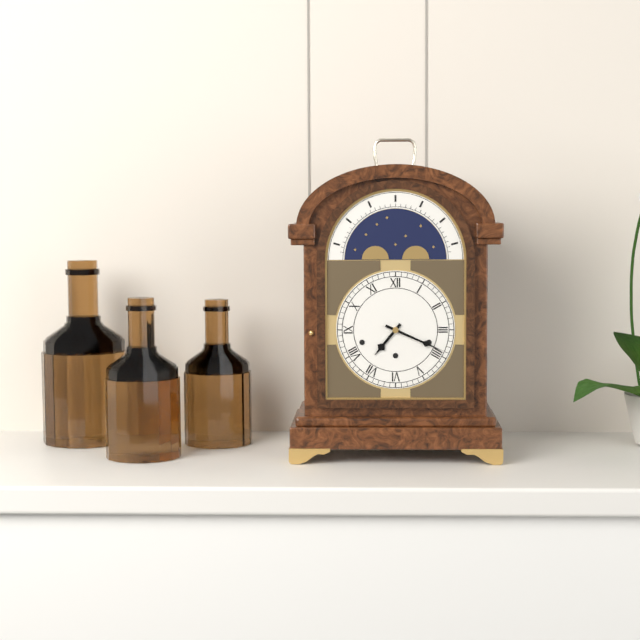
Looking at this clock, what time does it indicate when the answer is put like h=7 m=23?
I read h=7 m=19
